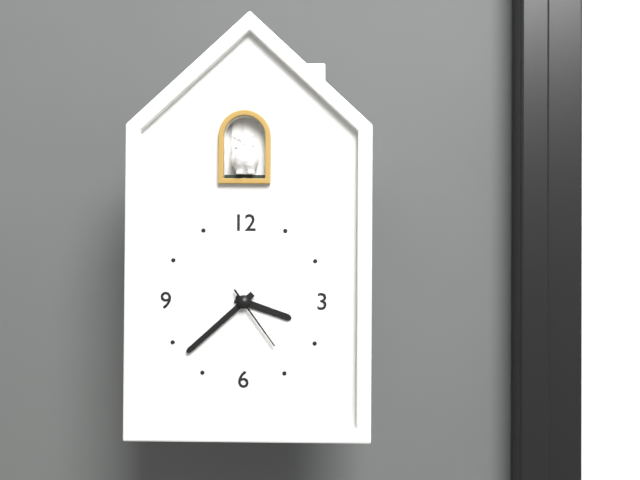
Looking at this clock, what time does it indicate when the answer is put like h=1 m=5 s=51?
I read h=3 m=38 s=24
